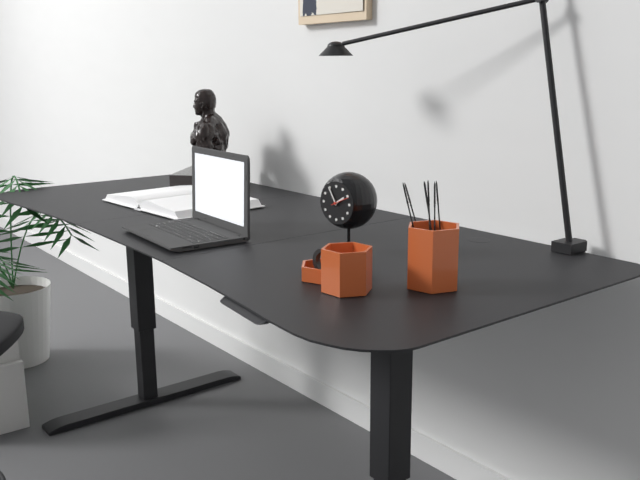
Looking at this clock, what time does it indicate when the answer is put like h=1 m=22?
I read h=1 m=55
